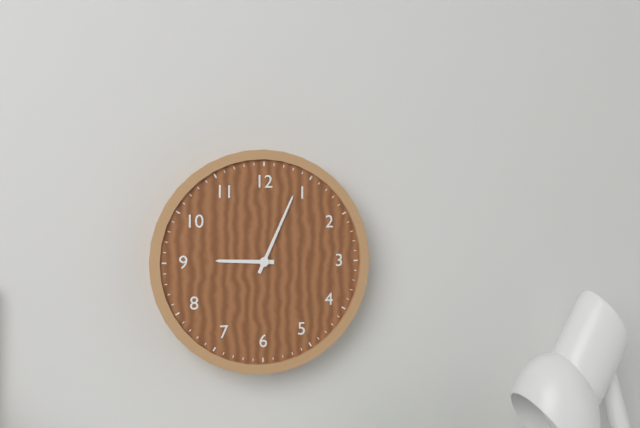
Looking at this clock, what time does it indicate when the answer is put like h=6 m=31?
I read h=9 m=4
